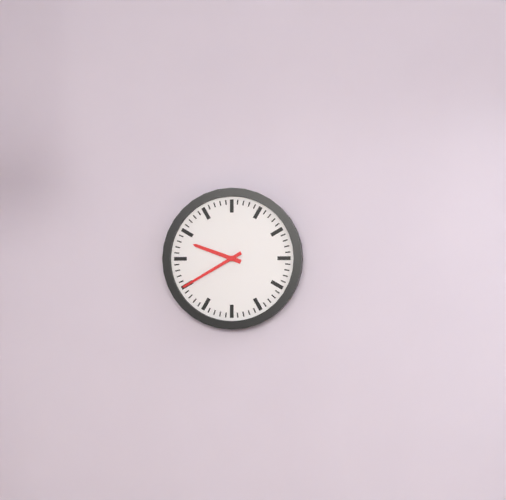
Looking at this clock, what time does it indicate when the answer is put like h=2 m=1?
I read h=9 m=40
